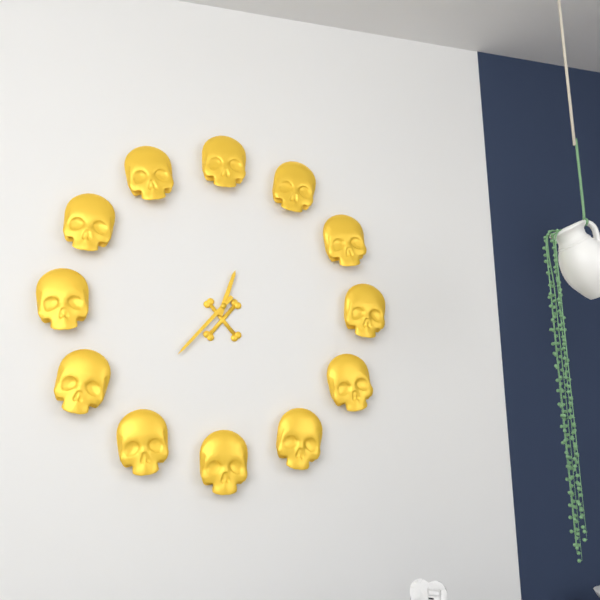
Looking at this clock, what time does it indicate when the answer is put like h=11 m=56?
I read h=12 m=37
